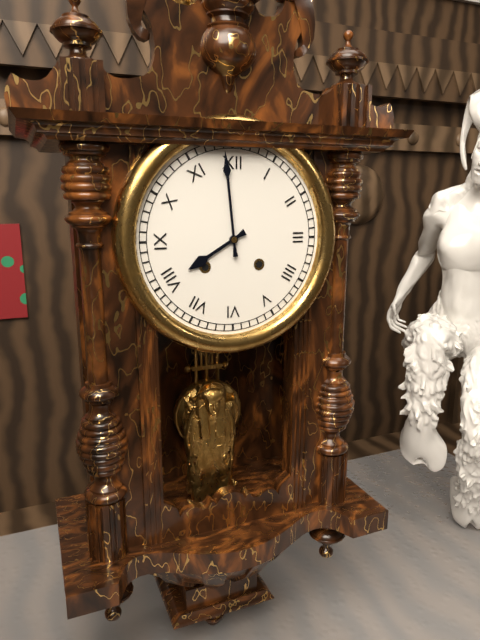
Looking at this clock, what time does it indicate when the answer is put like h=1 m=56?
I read h=7 m=59
